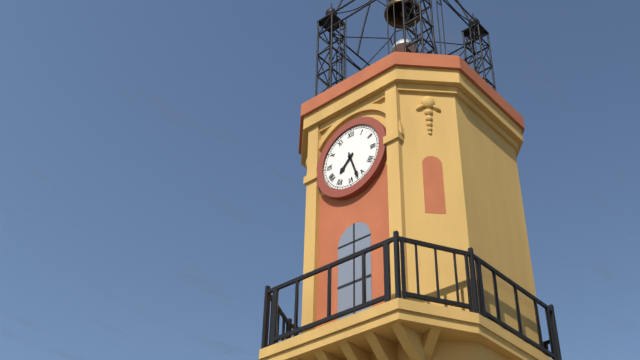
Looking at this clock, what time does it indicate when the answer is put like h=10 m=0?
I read h=7 m=27
